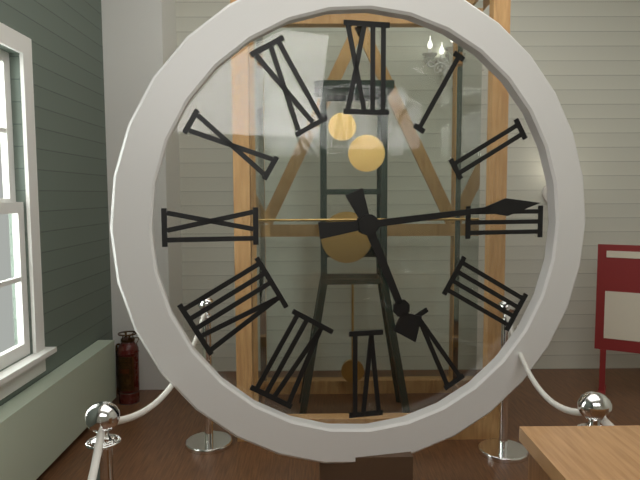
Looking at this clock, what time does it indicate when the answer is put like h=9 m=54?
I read h=5 m=14
